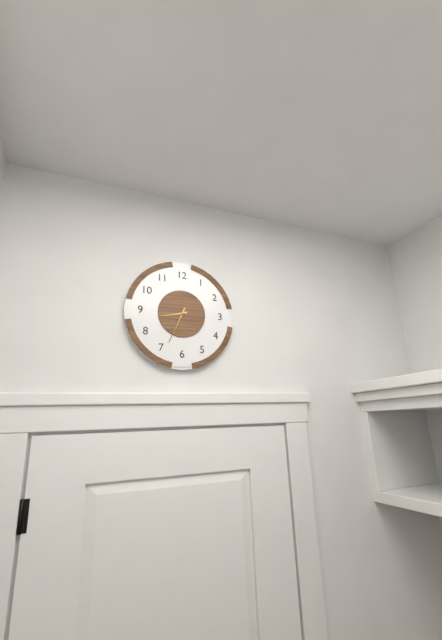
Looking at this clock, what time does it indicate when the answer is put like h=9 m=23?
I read h=8 m=34
